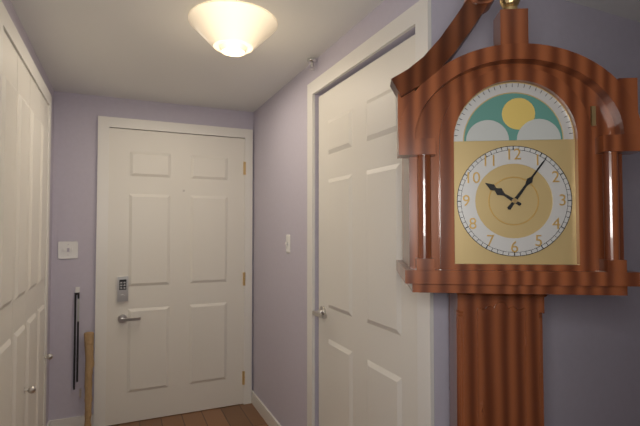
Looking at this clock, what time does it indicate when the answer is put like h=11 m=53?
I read h=10 m=6
